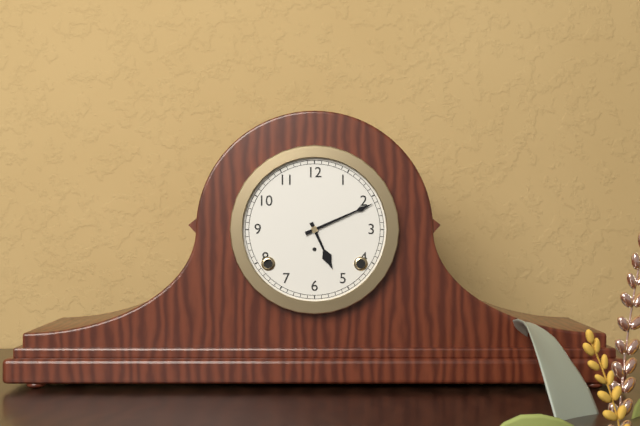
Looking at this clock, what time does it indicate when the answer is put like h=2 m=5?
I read h=5 m=11
